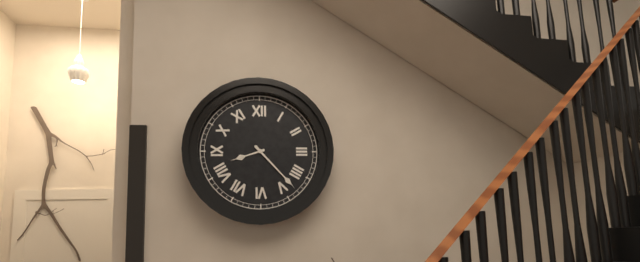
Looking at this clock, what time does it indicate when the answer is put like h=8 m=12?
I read h=8 m=23
